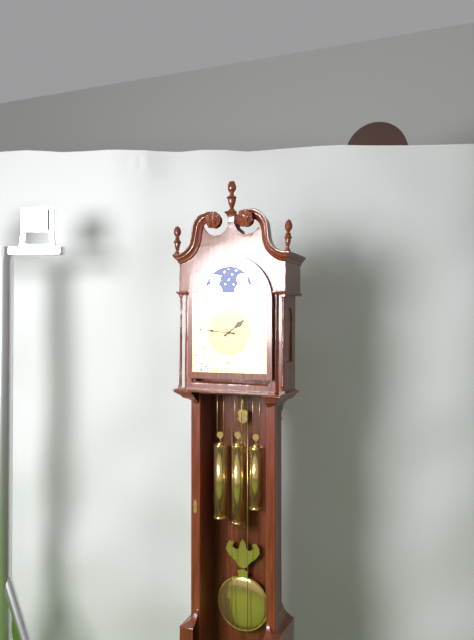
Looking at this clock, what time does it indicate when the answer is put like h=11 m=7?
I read h=1 m=46
